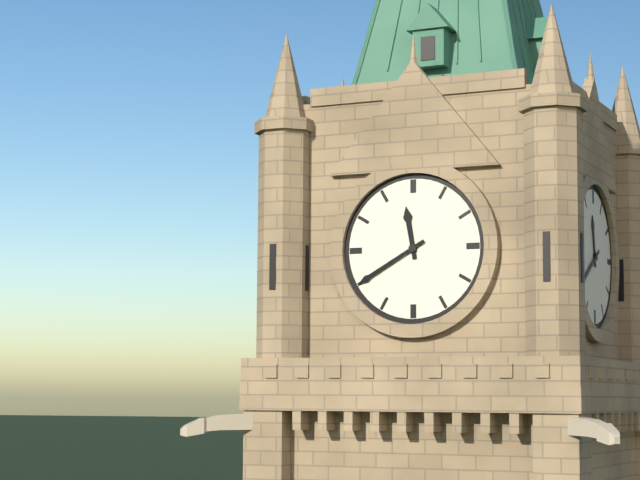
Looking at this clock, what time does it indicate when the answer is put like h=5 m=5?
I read h=11 m=40
